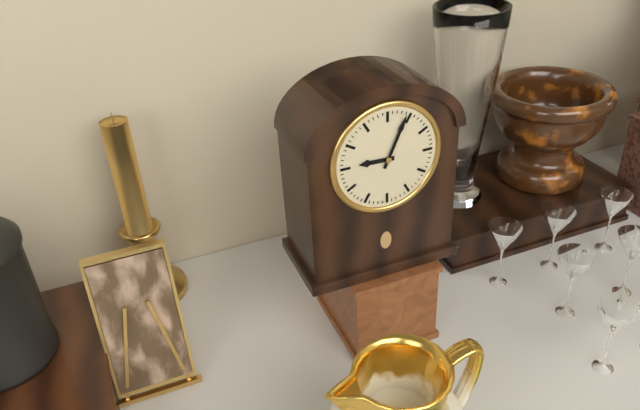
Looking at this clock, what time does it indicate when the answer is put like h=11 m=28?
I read h=9 m=4
